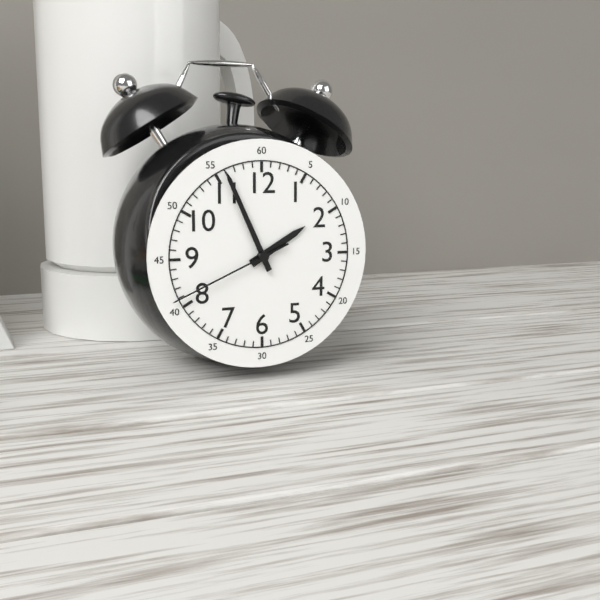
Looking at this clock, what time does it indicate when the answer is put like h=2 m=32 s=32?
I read h=1 m=56 s=41
